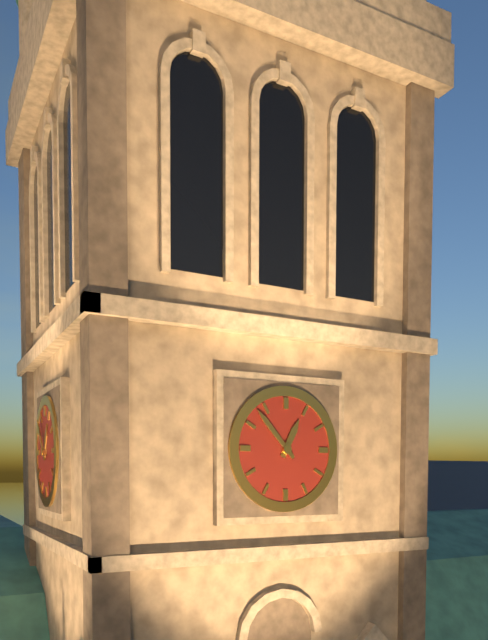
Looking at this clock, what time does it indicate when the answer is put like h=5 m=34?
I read h=12 m=53
